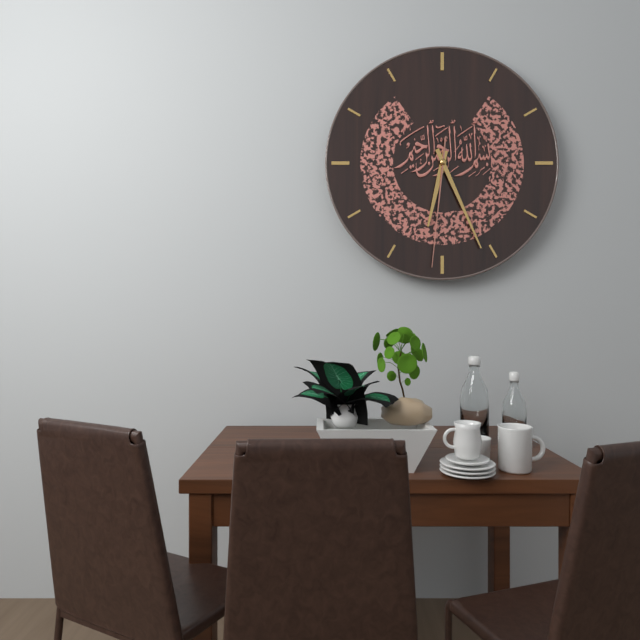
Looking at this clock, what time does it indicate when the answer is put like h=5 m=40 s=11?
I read h=6 m=26 s=31
